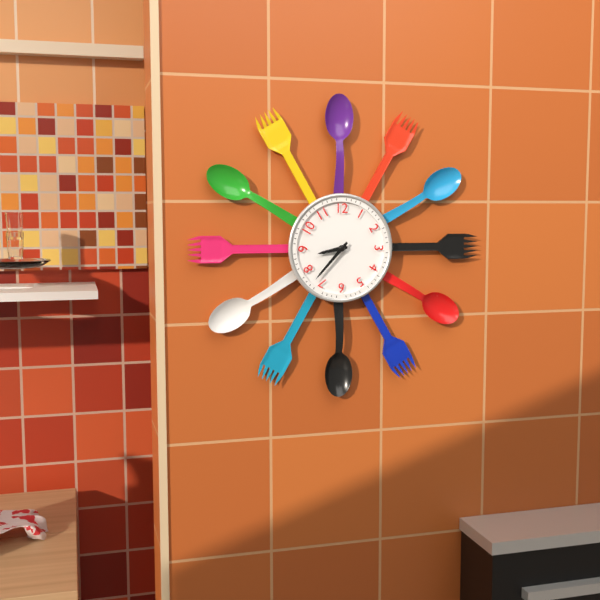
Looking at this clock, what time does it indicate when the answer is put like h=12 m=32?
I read h=8 m=37
